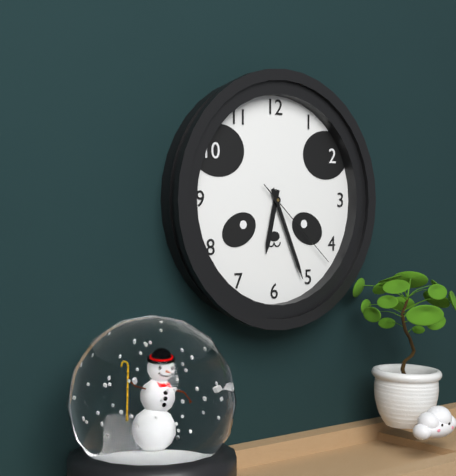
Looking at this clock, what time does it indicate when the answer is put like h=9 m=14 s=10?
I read h=6 m=26 s=22
